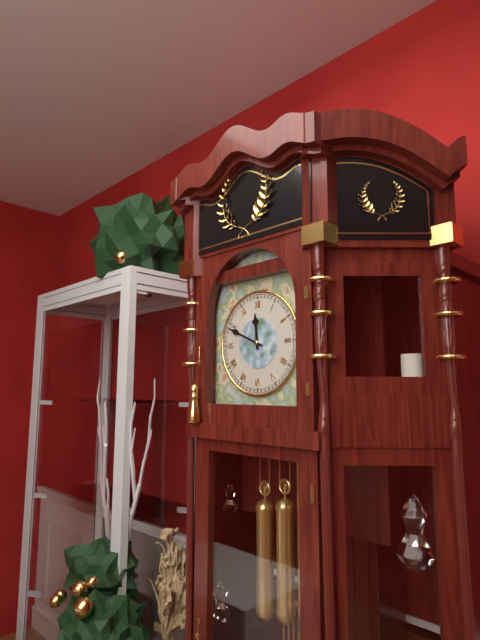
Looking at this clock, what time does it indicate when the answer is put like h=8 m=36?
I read h=11 m=49
